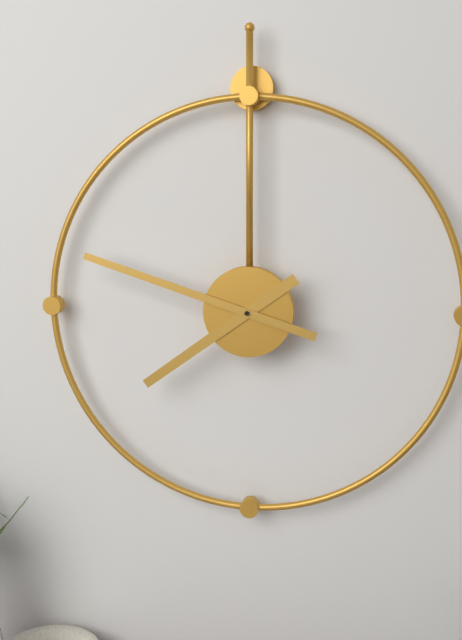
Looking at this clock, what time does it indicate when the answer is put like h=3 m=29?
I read h=7 m=48
